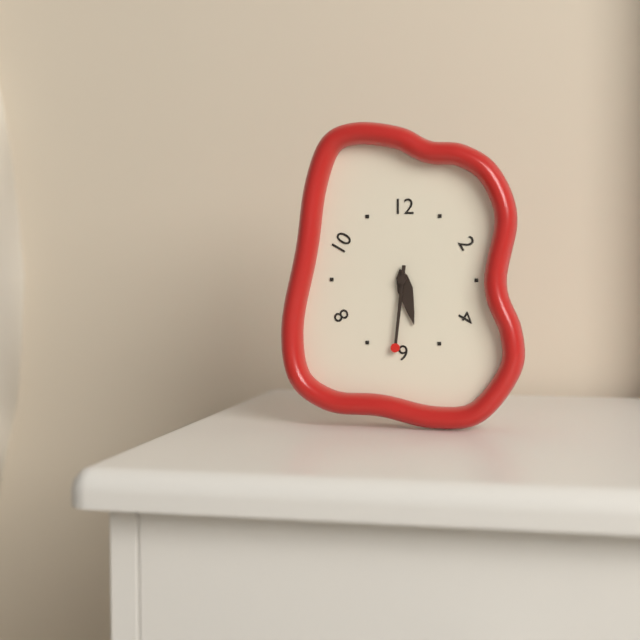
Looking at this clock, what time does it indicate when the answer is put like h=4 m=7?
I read h=5 m=31
